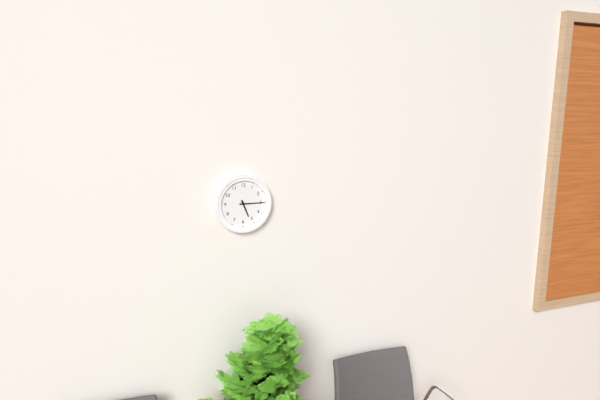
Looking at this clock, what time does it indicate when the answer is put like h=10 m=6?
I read h=5 m=15
